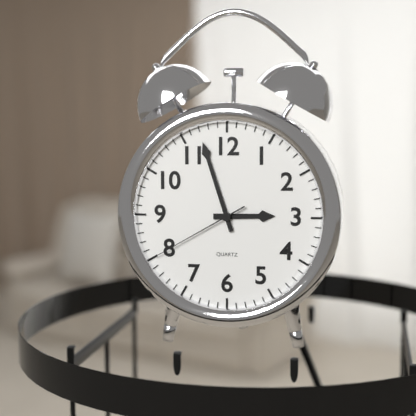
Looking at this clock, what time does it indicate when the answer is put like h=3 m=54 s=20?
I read h=2 m=57 s=40
